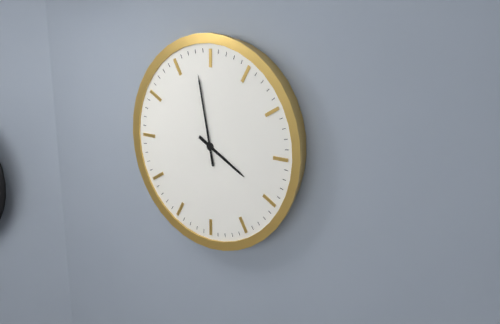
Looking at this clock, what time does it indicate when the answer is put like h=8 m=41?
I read h=3 m=58
